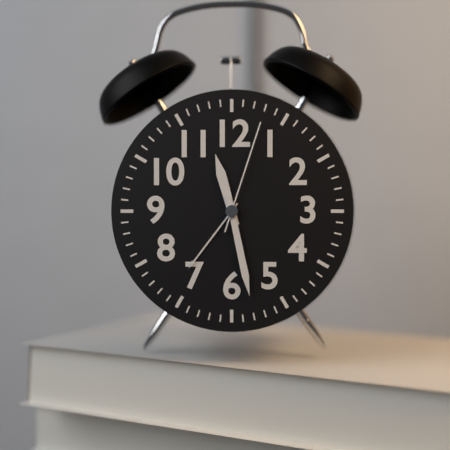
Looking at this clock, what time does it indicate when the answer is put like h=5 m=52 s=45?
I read h=11 m=28 s=3
